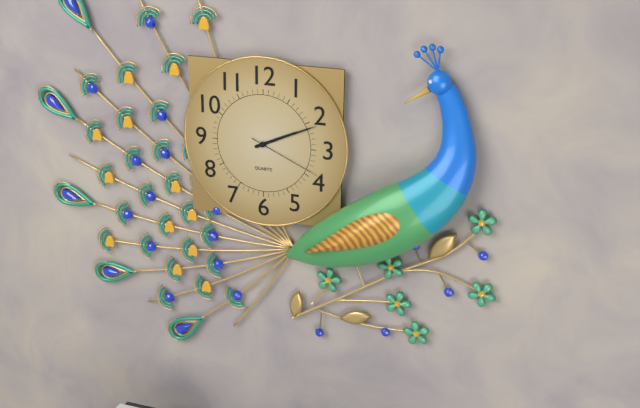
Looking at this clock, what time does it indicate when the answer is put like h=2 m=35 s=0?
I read h=2 m=11 s=19
